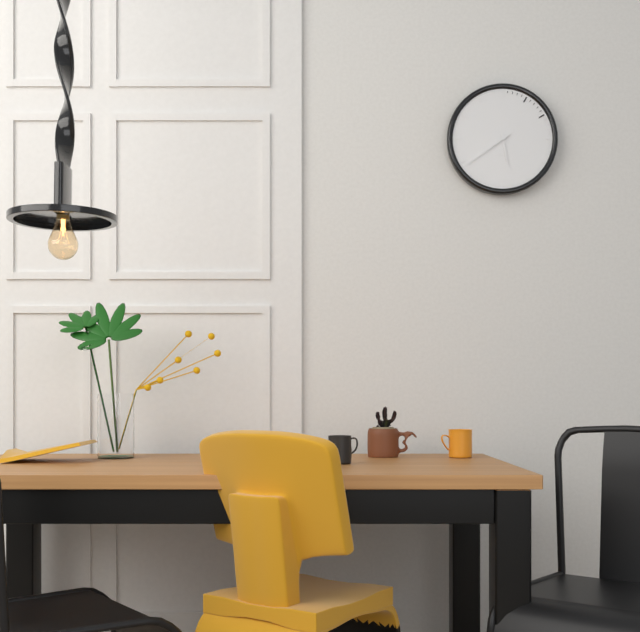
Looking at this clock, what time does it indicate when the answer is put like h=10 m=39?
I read h=5 m=39
